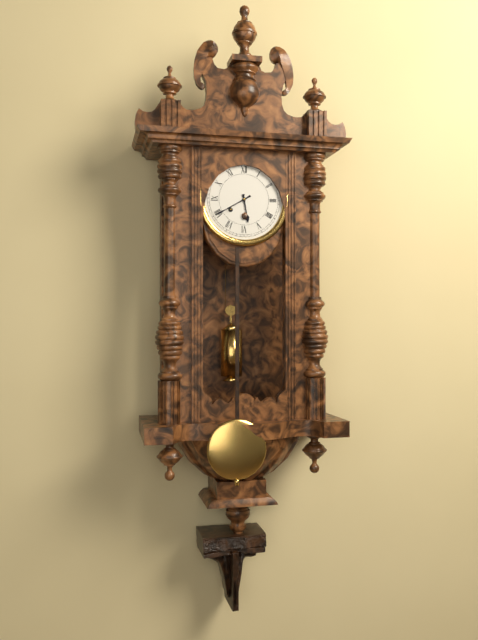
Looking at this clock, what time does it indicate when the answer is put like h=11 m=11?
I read h=5 m=40
